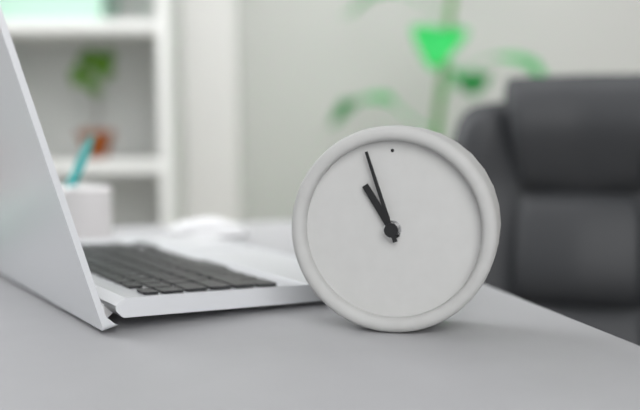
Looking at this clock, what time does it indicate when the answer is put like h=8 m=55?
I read h=10 m=57
